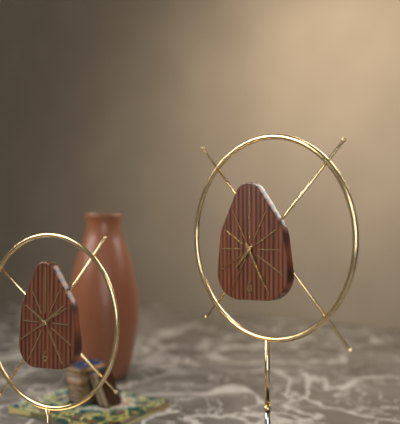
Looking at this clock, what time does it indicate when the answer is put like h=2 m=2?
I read h=7 m=25
